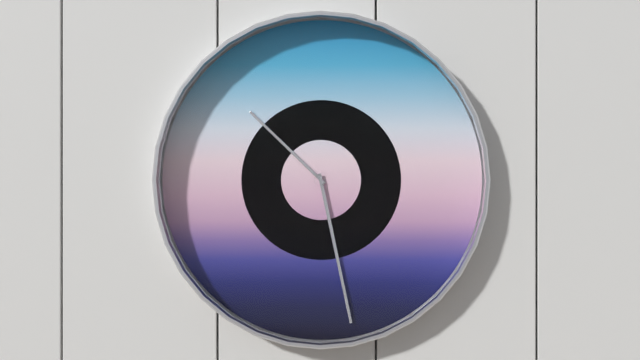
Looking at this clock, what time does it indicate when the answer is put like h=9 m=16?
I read h=10 m=28
